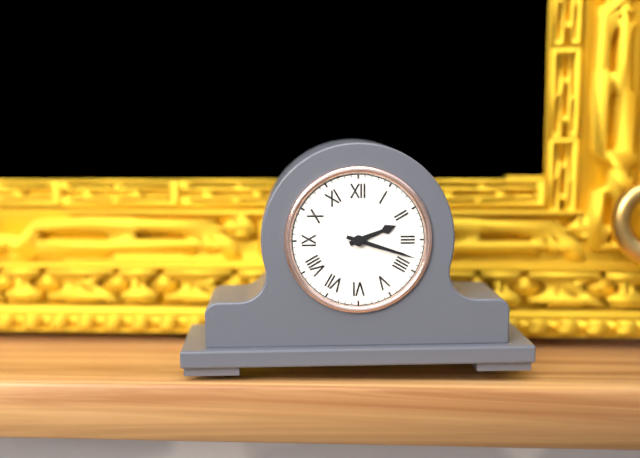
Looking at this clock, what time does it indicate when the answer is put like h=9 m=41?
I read h=2 m=18
